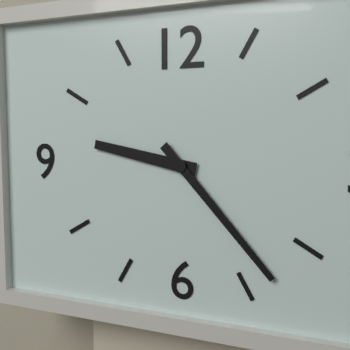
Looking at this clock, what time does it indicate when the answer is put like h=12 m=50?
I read h=9 m=23
